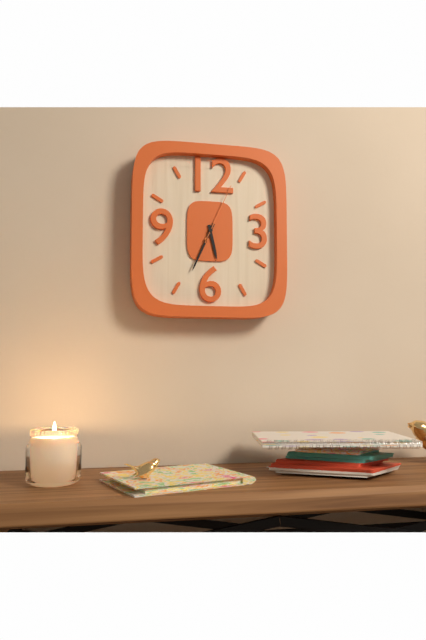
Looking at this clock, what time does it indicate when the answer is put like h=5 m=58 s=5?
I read h=5 m=34 s=4
